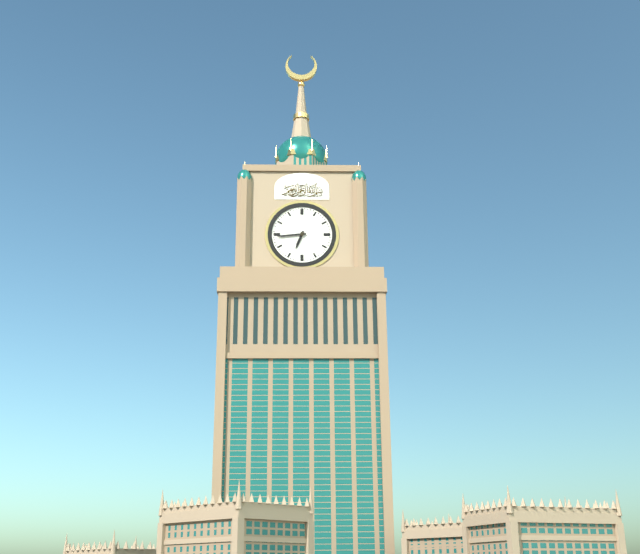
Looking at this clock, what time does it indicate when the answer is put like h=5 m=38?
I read h=6 m=44
